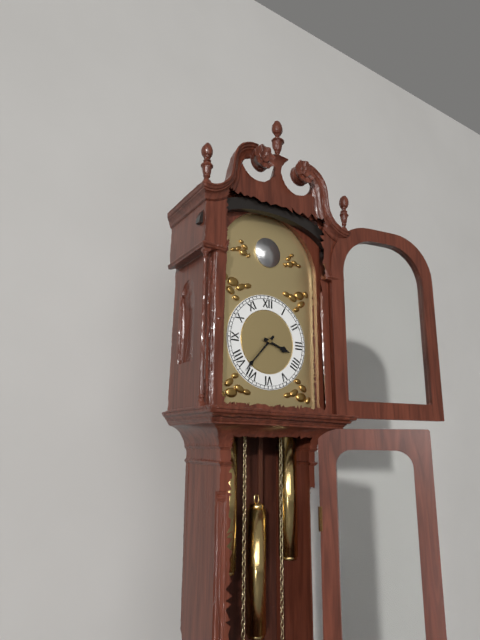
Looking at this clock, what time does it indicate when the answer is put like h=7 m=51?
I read h=3 m=37
